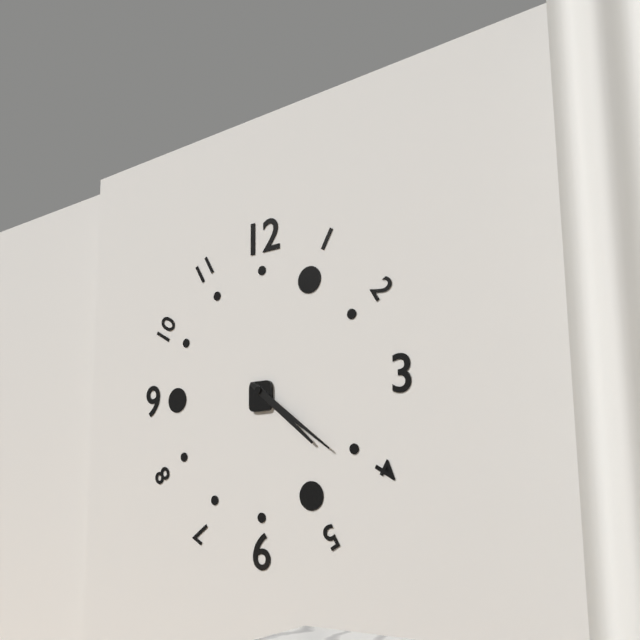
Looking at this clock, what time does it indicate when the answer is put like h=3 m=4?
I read h=4 m=21
